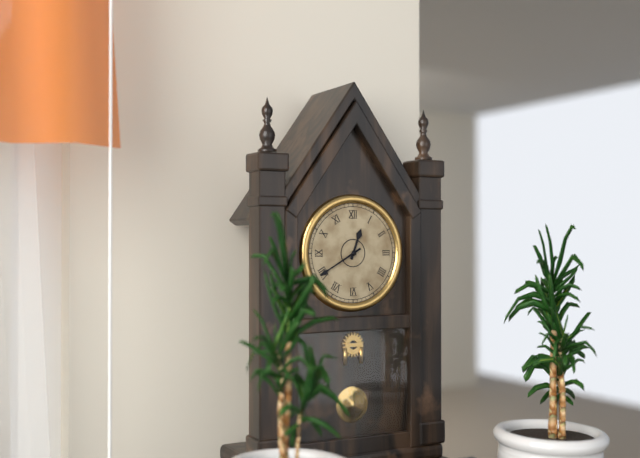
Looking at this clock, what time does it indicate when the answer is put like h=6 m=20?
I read h=12 m=40
